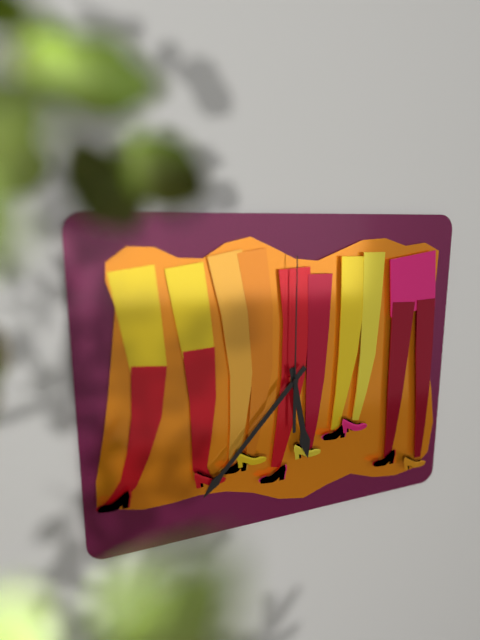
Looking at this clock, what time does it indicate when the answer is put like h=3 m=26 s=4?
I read h=5 m=37 s=0
